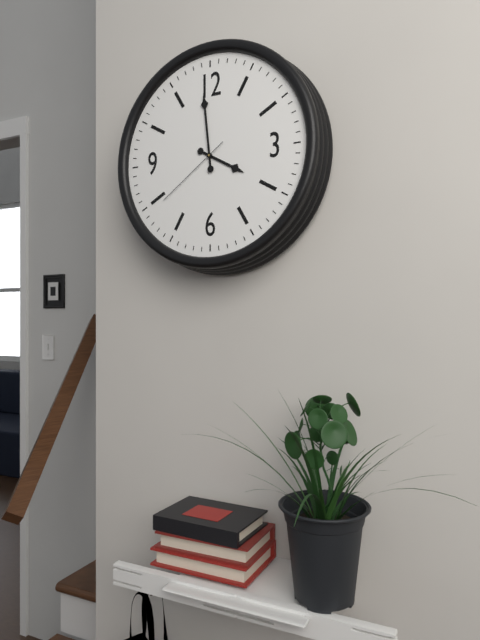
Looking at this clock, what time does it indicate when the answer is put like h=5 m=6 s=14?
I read h=3 m=59 s=39
